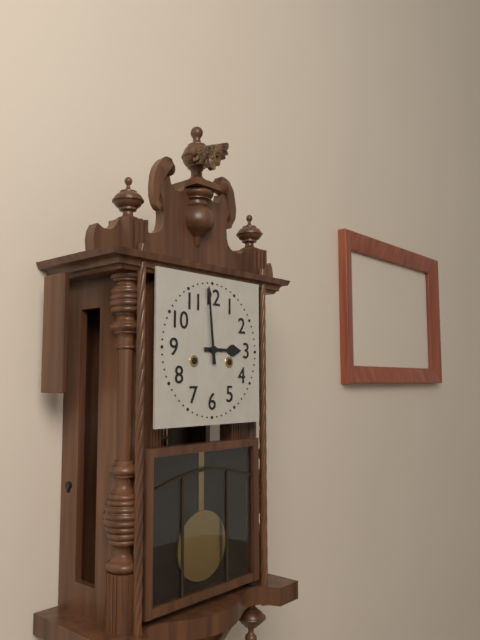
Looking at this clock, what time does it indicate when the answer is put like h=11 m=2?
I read h=2 m=59
